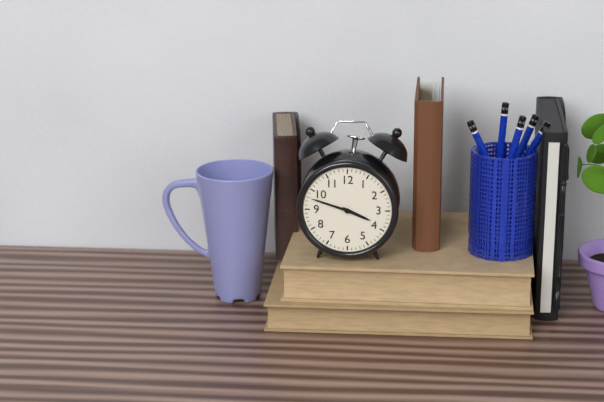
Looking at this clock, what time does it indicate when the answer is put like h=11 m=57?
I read h=3 m=48
